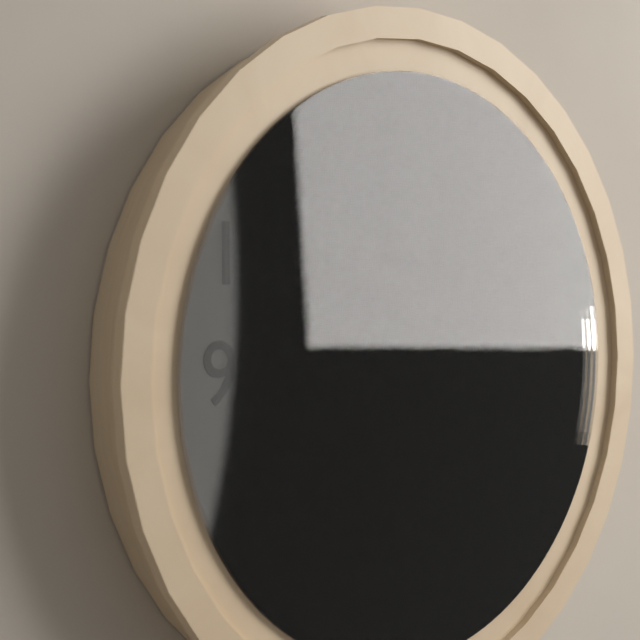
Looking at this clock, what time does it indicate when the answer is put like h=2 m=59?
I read h=7 m=41
